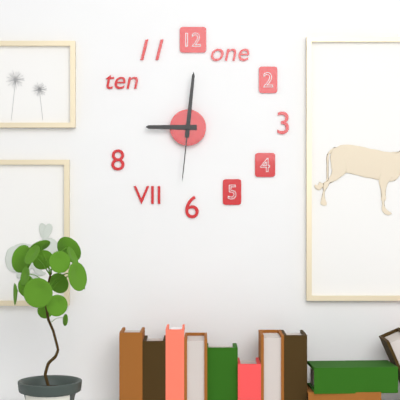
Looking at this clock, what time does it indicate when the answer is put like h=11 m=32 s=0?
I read h=9 m=1 s=31
